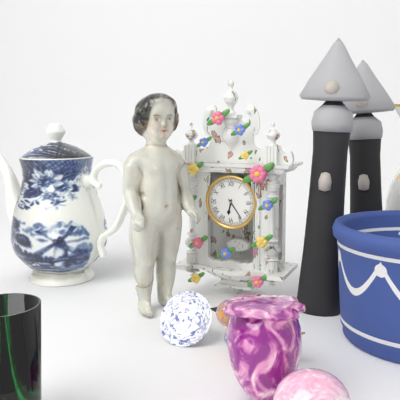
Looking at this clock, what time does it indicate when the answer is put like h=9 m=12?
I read h=6 m=24
